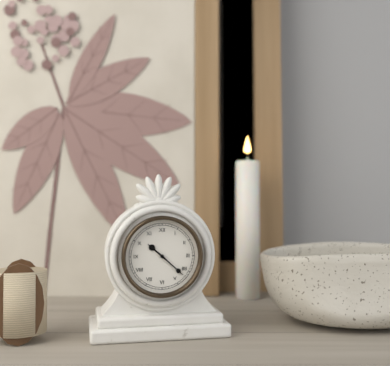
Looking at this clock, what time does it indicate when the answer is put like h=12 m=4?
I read h=10 m=22
